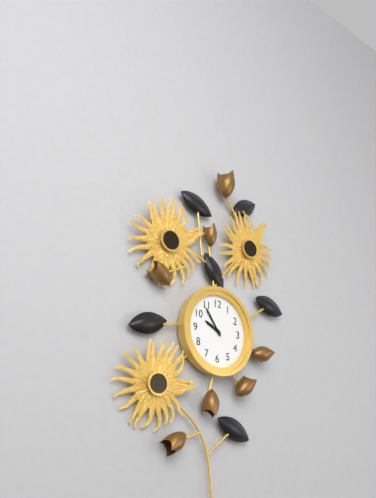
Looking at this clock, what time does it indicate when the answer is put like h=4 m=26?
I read h=9 m=54
